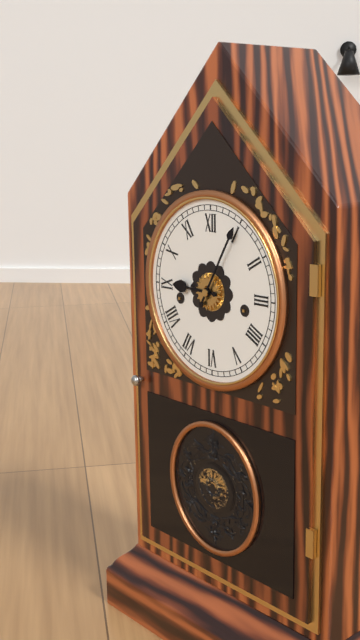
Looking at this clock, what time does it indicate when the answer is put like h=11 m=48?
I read h=9 m=5
